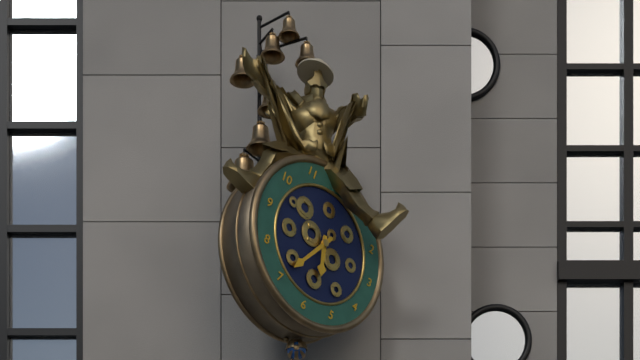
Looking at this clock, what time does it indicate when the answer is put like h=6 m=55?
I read h=5 m=35
